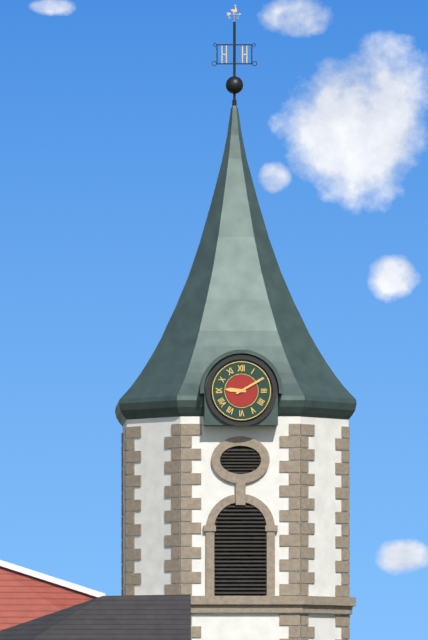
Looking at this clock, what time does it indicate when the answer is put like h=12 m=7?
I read h=9 m=10
